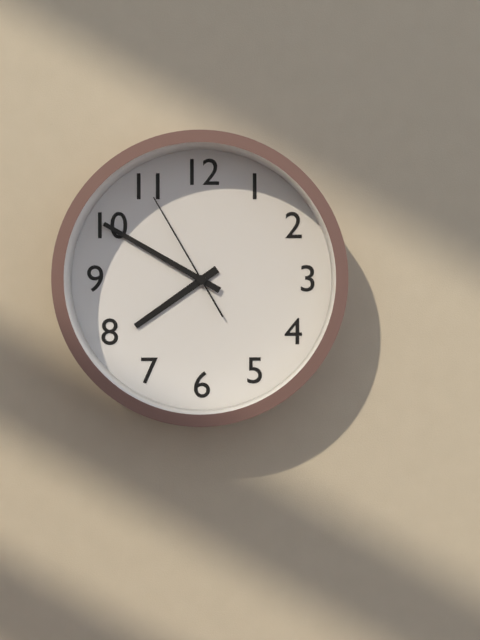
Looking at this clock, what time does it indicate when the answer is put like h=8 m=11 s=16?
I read h=7 m=50 s=55
